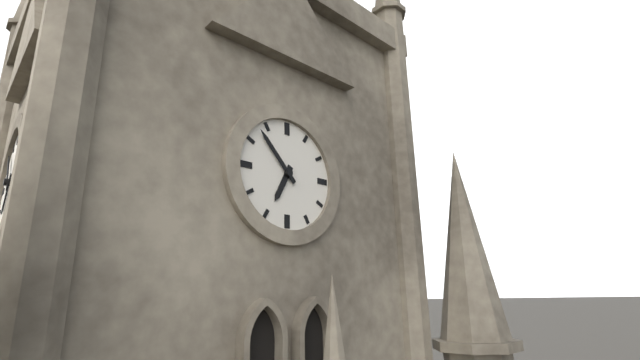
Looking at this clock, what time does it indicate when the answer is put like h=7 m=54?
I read h=6 m=53
